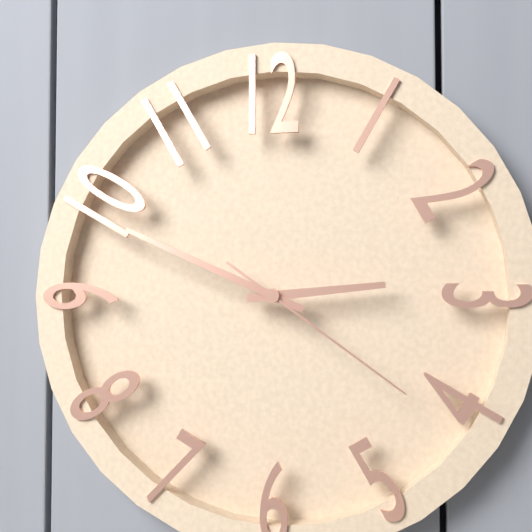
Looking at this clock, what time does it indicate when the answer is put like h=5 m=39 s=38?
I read h=2 m=49 s=21
